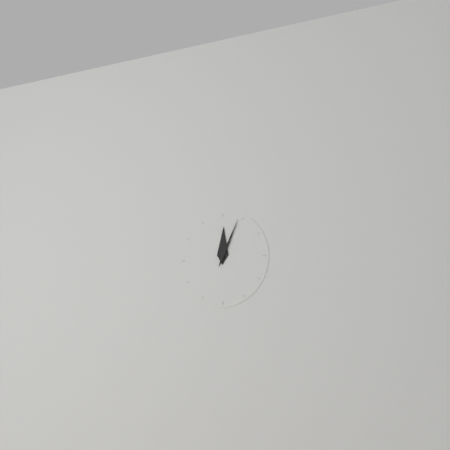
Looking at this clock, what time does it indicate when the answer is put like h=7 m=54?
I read h=12 m=4
